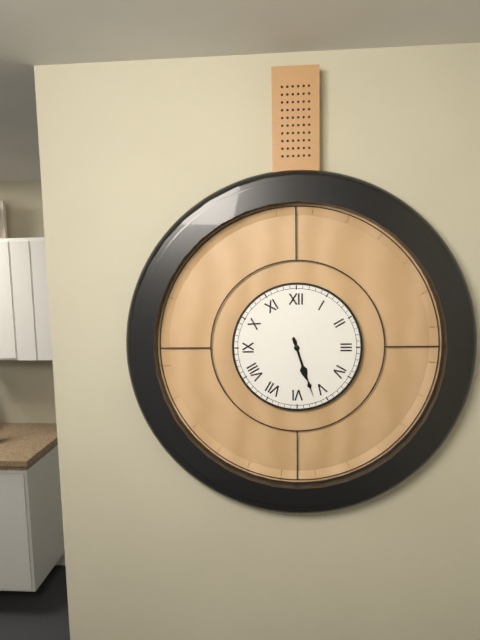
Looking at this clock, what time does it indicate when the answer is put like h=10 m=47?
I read h=5 m=27
